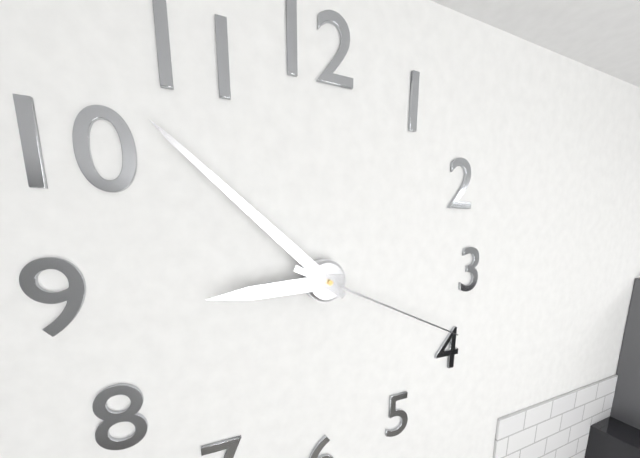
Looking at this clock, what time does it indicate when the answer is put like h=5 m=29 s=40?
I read h=8 m=52 s=19
